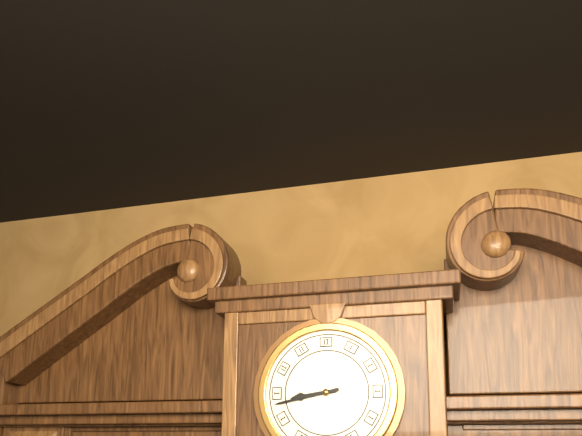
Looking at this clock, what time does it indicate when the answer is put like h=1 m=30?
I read h=8 m=43
